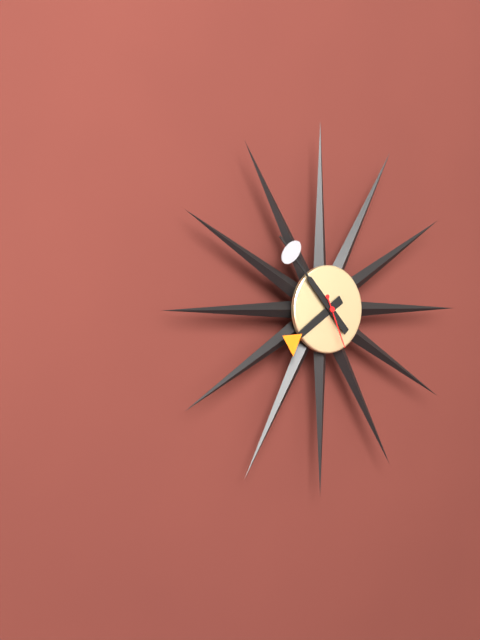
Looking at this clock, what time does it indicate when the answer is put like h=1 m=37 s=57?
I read h=7 m=53 s=26
